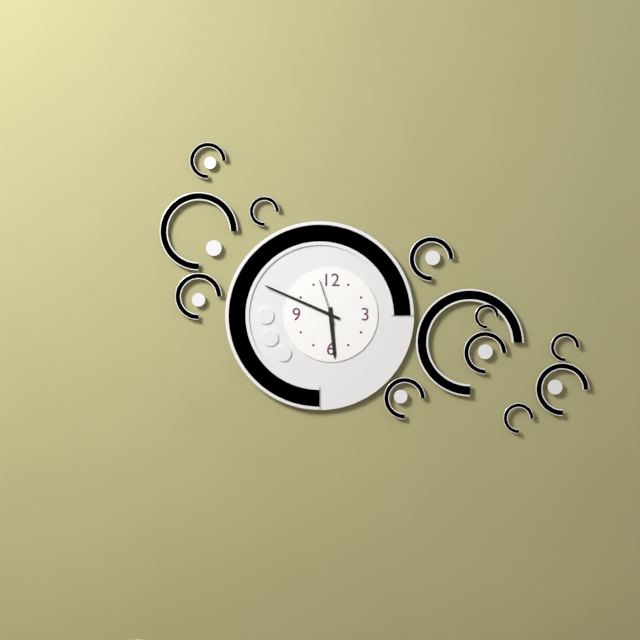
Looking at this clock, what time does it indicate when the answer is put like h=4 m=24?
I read h=5 m=49
